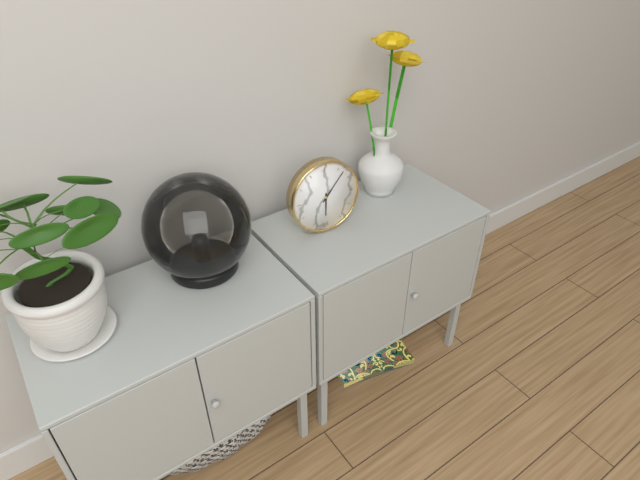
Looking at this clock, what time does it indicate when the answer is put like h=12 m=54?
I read h=6 m=7
